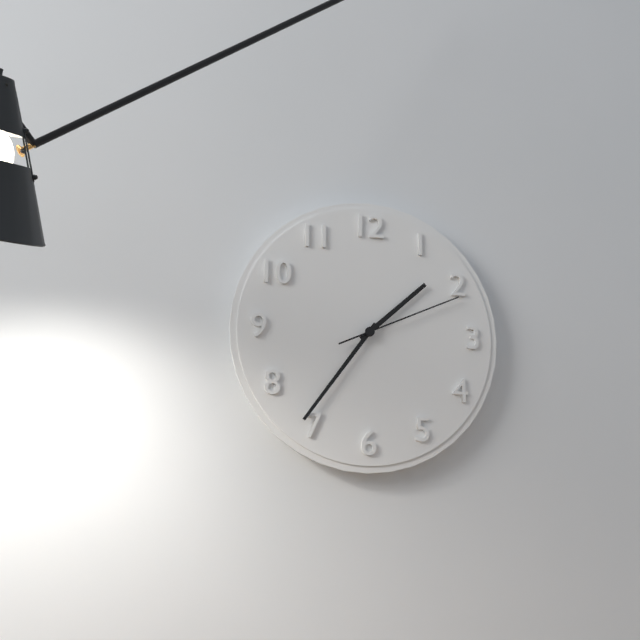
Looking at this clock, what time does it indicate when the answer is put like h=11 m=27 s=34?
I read h=1 m=36 s=11
